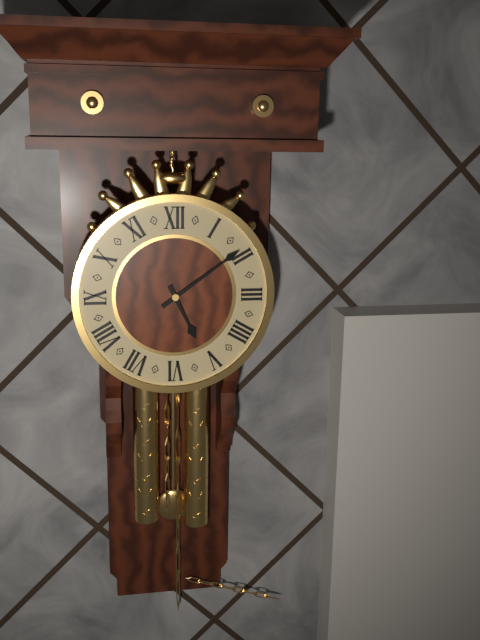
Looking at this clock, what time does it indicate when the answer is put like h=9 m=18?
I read h=5 m=9
